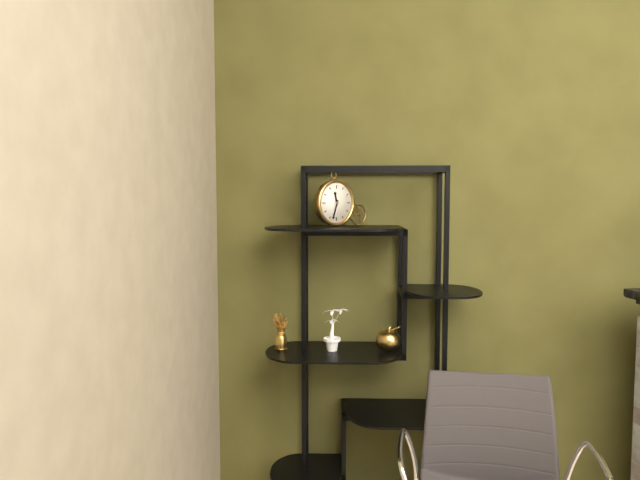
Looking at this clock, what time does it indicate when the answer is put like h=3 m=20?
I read h=11 m=33
